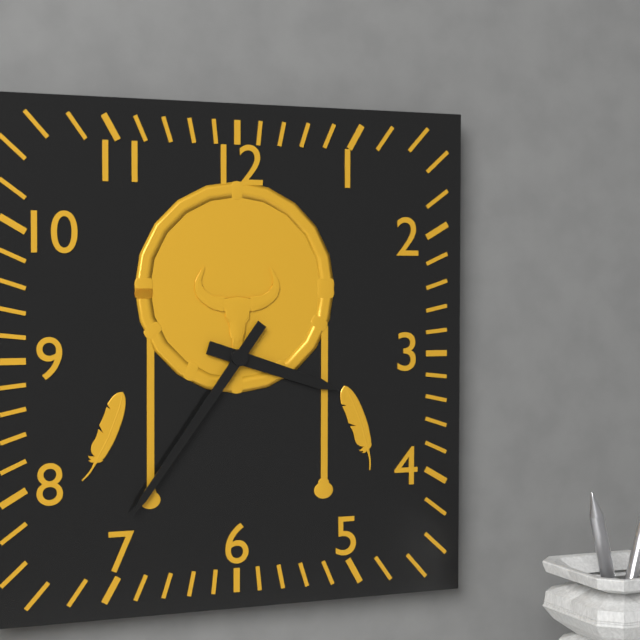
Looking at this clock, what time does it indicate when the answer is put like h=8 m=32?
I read h=3 m=36
